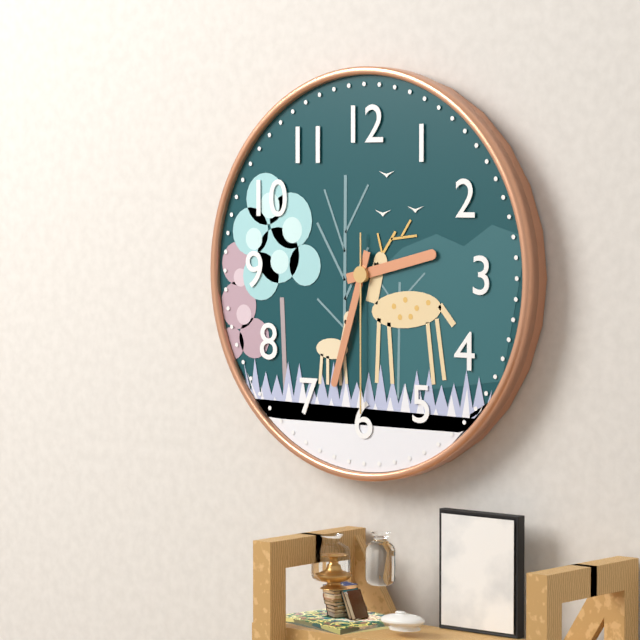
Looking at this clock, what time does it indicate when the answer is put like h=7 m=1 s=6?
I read h=2 m=33 s=30
